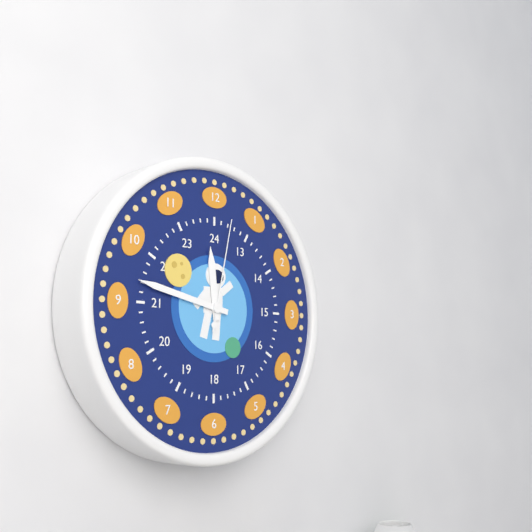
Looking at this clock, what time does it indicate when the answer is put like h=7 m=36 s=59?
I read h=11 m=47 s=2
